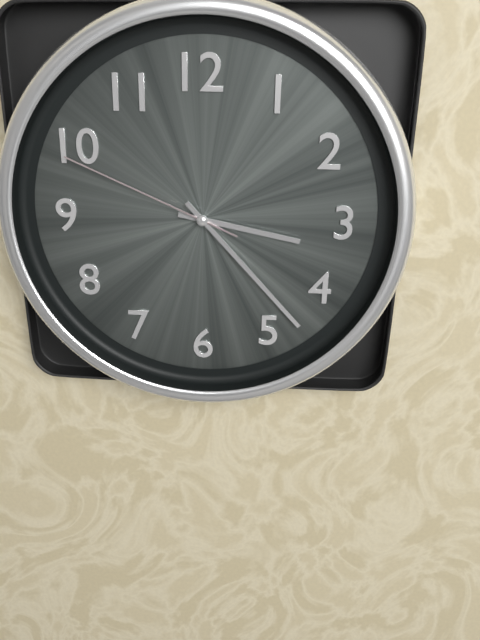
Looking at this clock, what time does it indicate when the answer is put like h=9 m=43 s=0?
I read h=3 m=23 s=49
